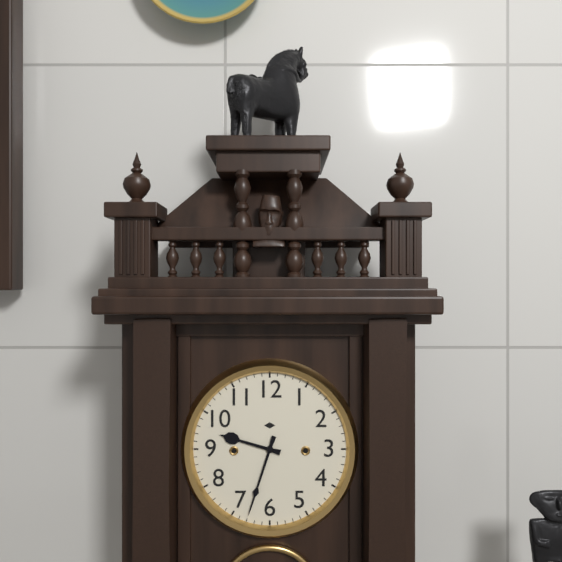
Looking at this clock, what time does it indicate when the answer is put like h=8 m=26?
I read h=9 m=33
